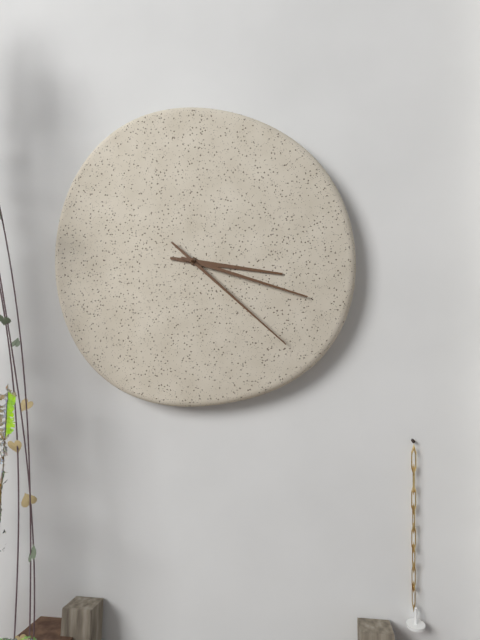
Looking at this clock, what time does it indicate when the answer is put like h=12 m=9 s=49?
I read h=3 m=18 s=22
